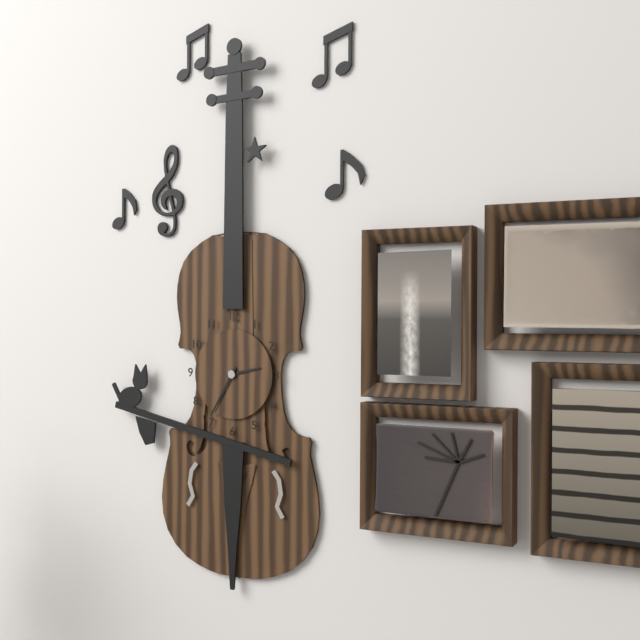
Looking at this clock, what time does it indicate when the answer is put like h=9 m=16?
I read h=2 m=35
